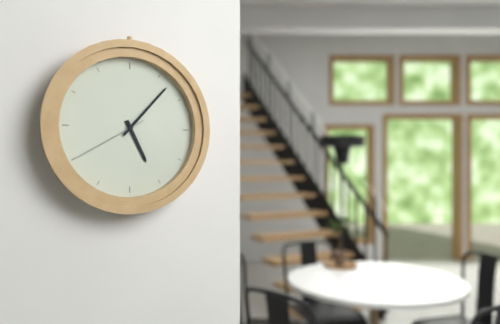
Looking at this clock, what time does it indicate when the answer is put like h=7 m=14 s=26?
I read h=5 m=7 s=40
